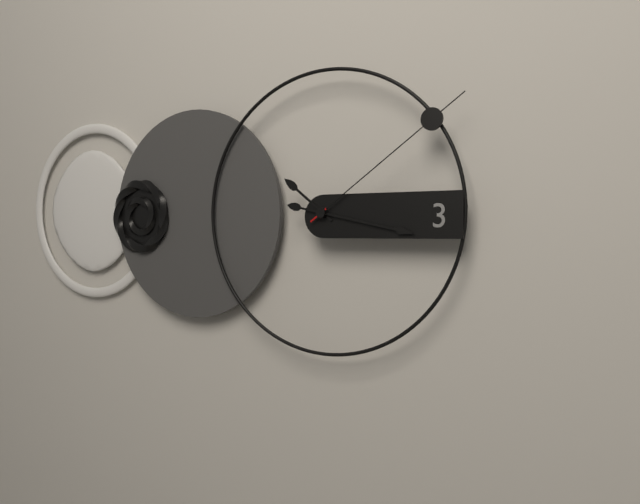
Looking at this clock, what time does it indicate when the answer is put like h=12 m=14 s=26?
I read h=10 m=17 s=9
